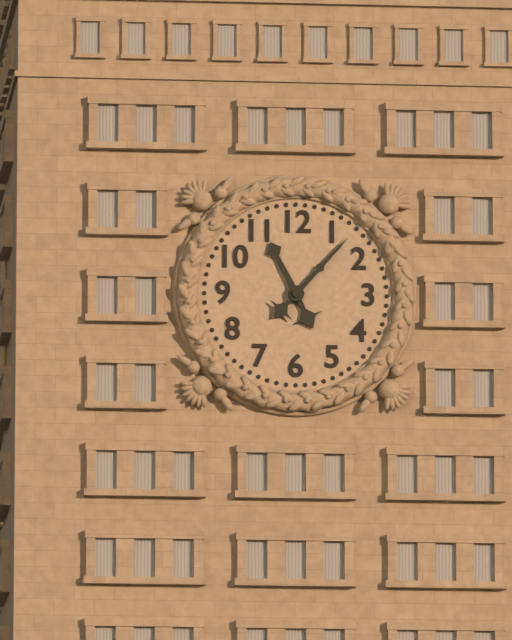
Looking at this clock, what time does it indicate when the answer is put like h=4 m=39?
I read h=11 m=7
